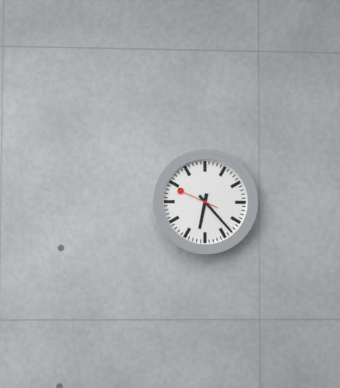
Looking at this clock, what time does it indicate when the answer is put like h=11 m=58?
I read h=6 m=23
